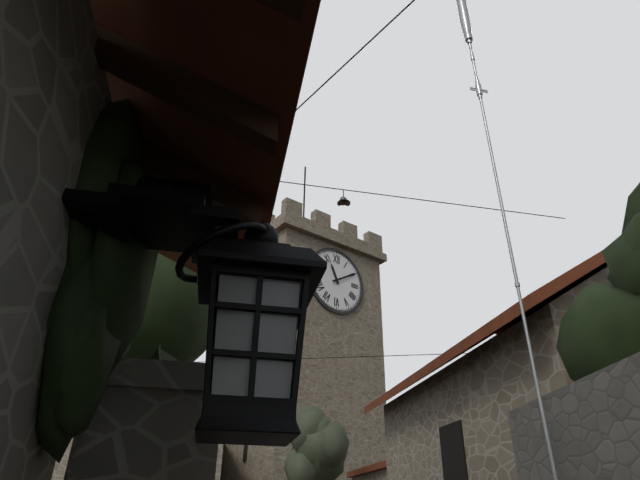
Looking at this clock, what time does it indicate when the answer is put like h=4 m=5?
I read h=11 m=10
